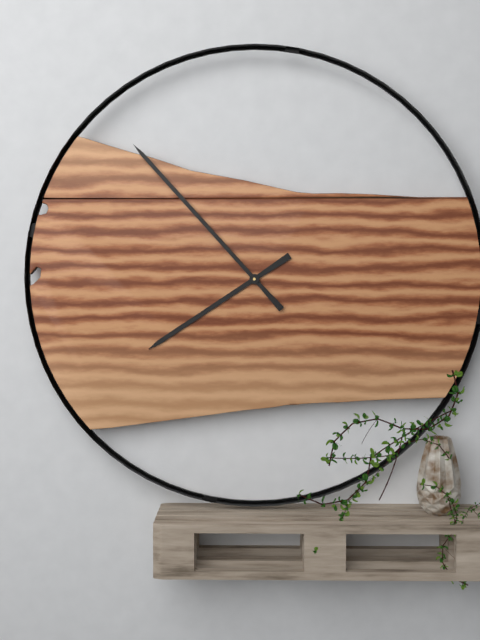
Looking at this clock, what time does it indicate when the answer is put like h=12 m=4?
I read h=7 m=53
